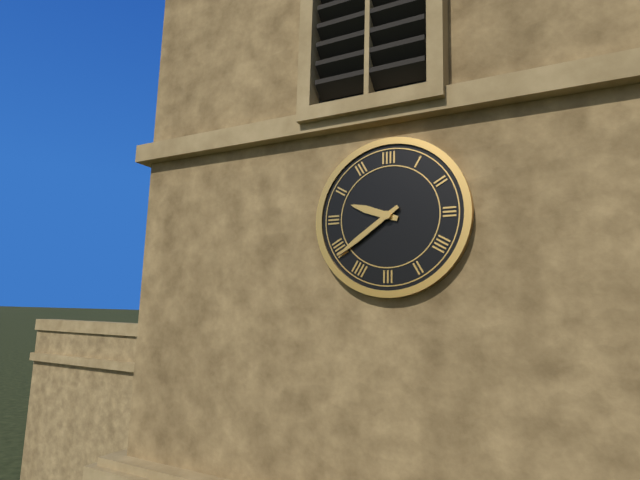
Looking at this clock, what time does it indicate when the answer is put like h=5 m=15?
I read h=9 m=39
